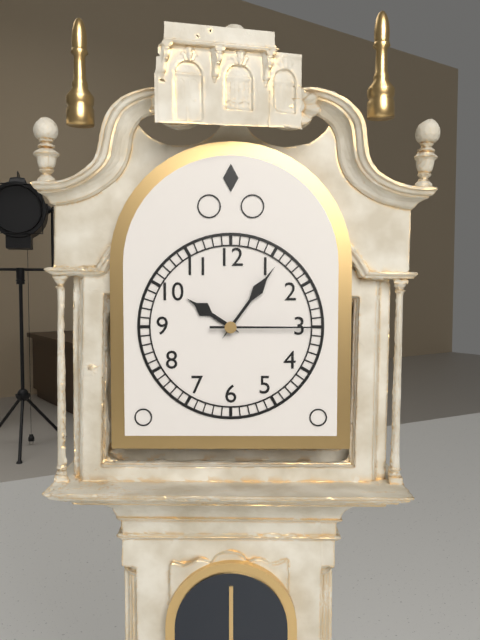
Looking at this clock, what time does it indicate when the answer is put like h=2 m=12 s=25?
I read h=10 m=6 s=15
